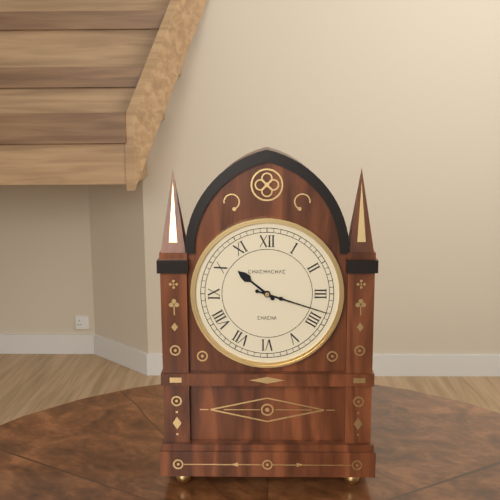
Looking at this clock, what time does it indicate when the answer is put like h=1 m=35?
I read h=10 m=18
